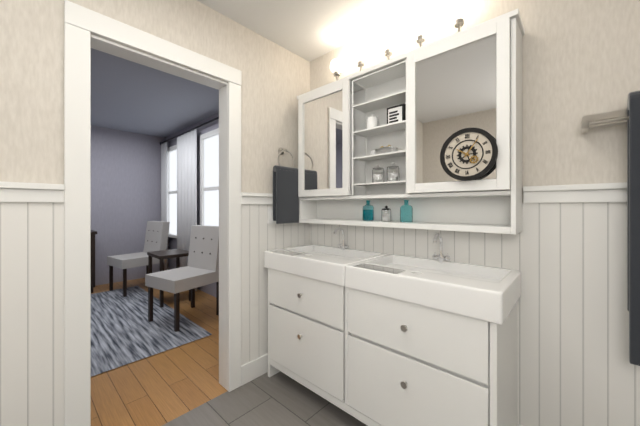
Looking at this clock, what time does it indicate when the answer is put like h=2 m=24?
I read h=10 m=6
